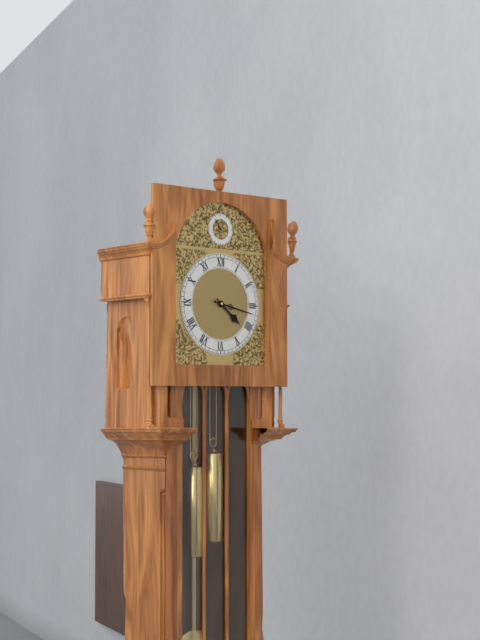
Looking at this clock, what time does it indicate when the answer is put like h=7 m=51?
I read h=4 m=17
